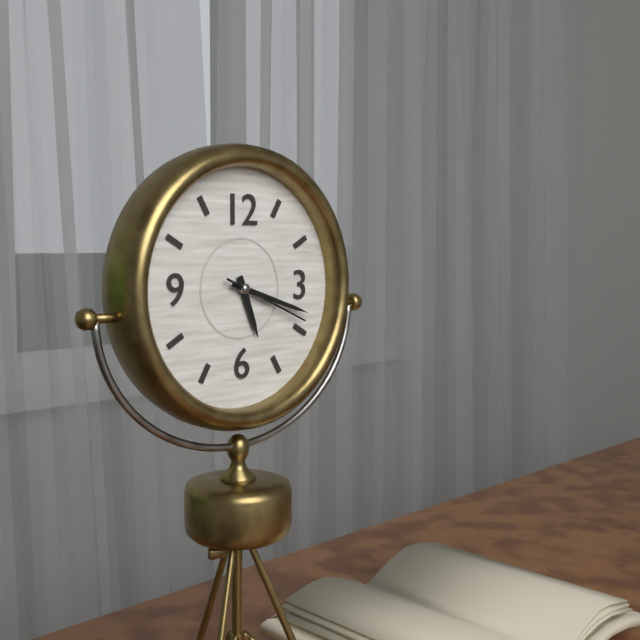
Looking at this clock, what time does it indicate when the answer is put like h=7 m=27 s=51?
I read h=5 m=18 s=19
